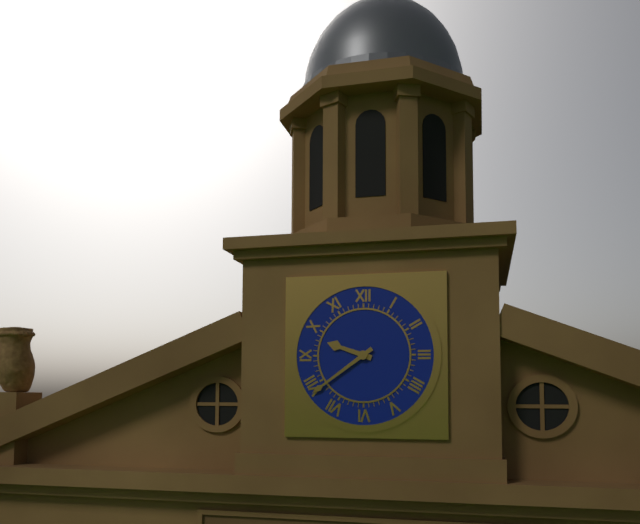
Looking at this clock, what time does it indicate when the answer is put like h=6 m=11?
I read h=9 m=39
